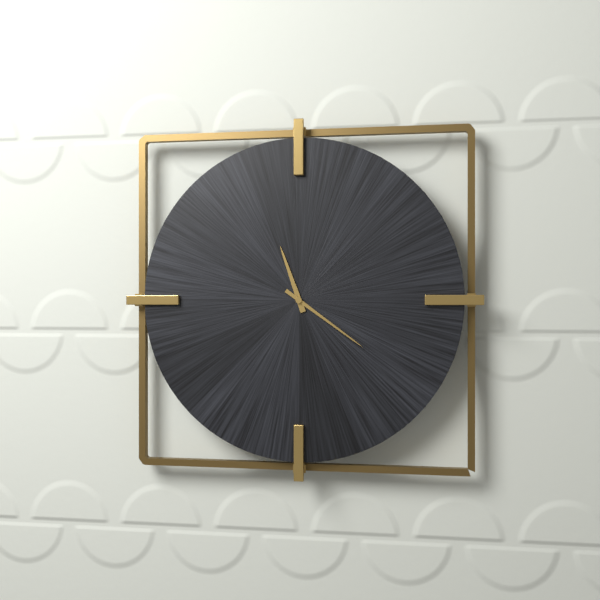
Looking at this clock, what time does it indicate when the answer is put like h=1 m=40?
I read h=11 m=21
